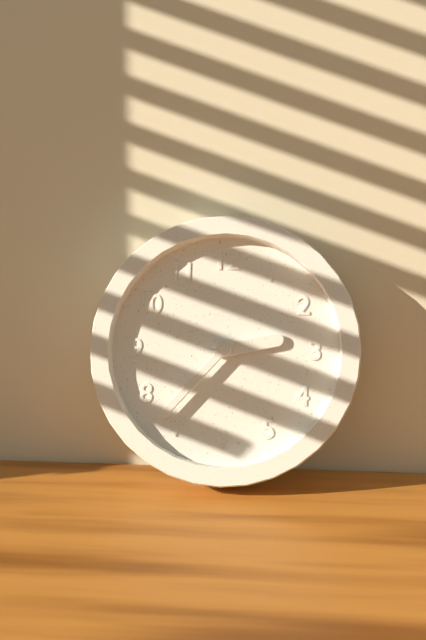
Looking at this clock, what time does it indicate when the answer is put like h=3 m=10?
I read h=2 m=37
